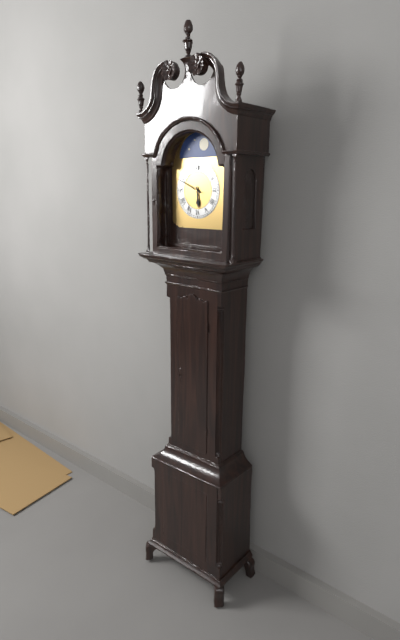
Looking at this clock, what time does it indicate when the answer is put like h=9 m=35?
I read h=5 m=49
